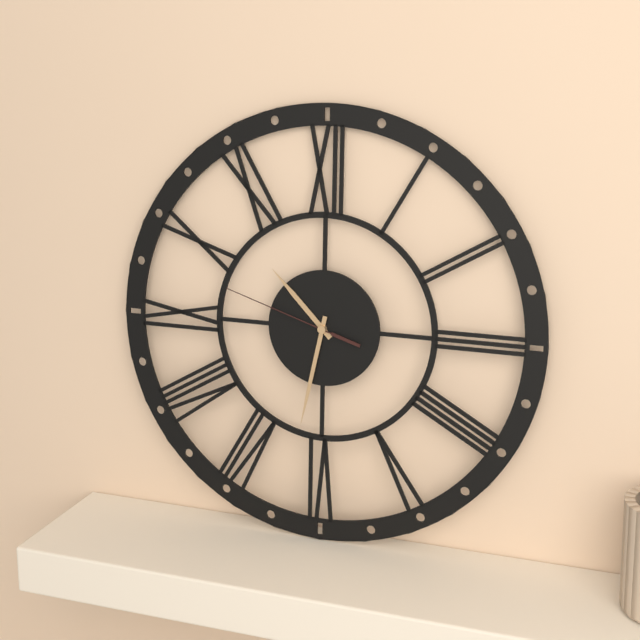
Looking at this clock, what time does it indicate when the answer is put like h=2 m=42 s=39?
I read h=10 m=32 s=48
